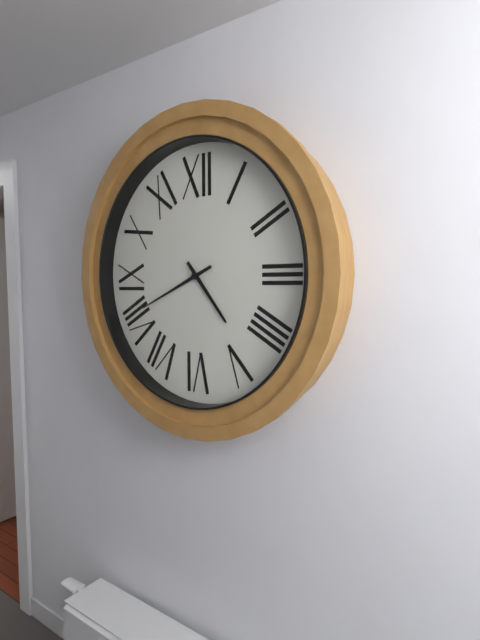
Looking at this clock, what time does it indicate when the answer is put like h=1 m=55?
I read h=4 m=41
